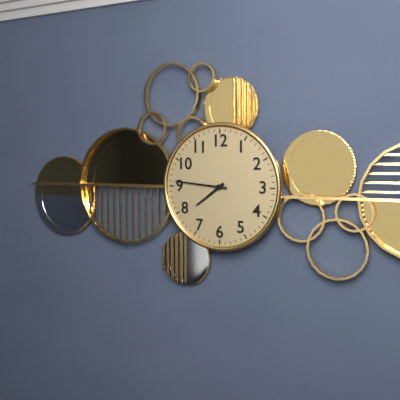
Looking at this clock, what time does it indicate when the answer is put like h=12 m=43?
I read h=7 m=46
